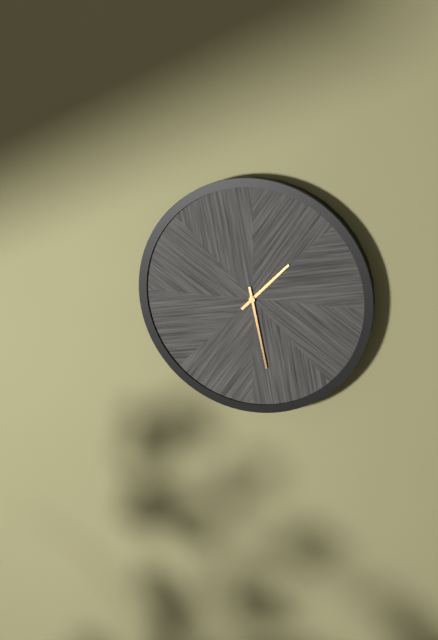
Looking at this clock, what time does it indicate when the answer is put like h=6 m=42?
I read h=1 m=28
